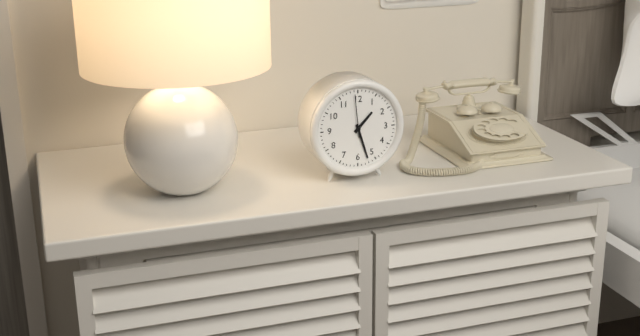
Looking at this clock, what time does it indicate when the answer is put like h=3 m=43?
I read h=1 m=27
